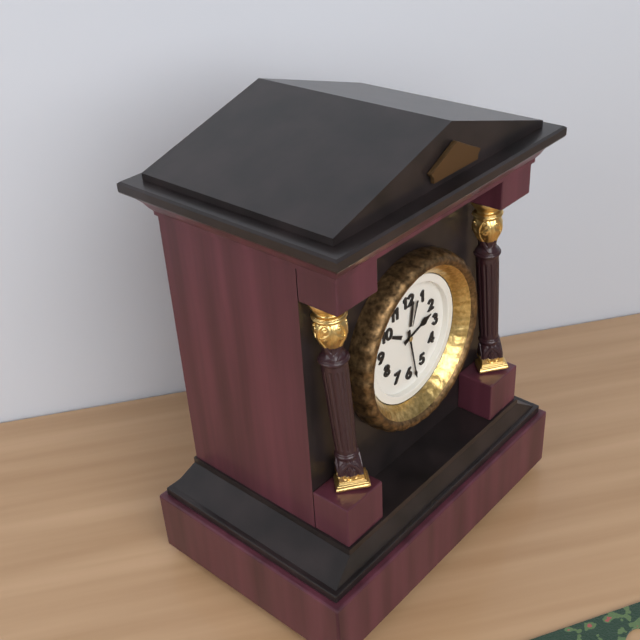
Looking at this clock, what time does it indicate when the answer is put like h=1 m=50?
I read h=2 m=28
